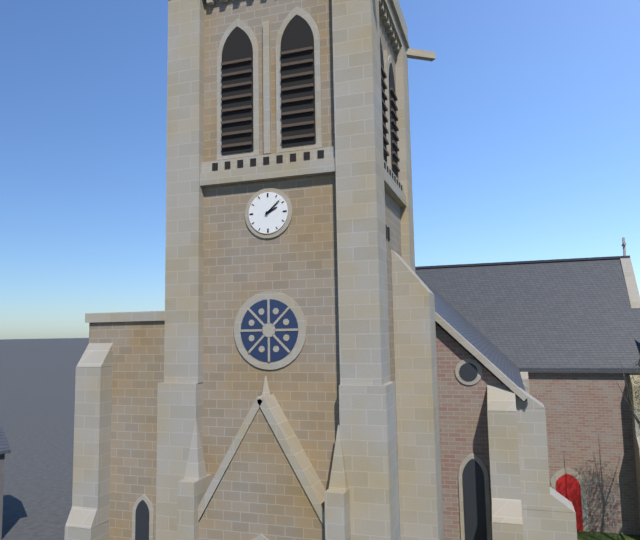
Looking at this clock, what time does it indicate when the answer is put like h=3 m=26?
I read h=2 m=8
